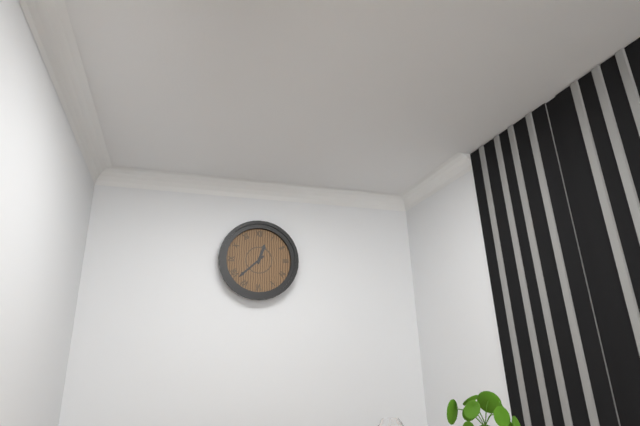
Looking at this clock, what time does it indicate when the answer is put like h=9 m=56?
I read h=12 m=38
